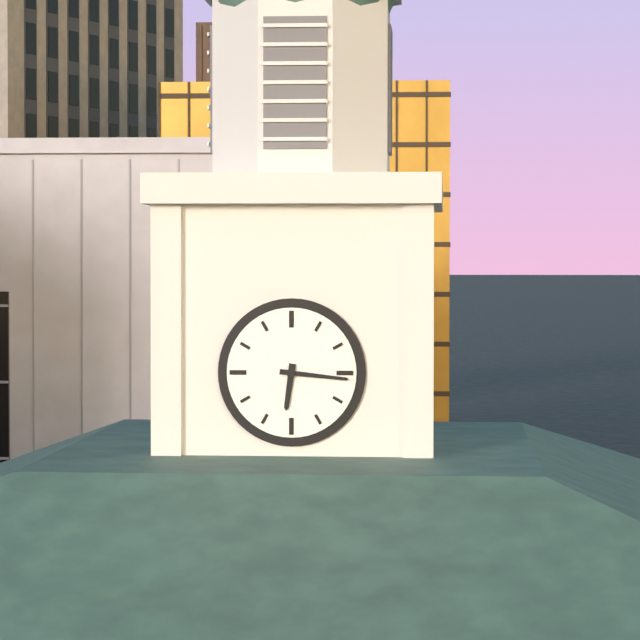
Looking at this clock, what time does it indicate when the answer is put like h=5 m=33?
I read h=6 m=16
